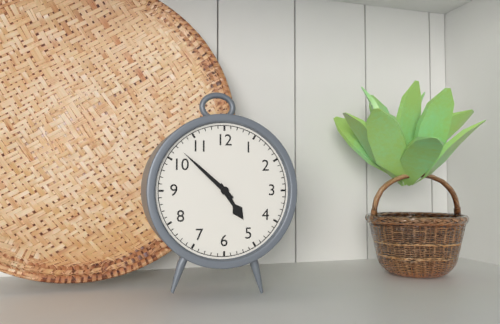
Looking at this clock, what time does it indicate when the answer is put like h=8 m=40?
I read h=4 m=52
